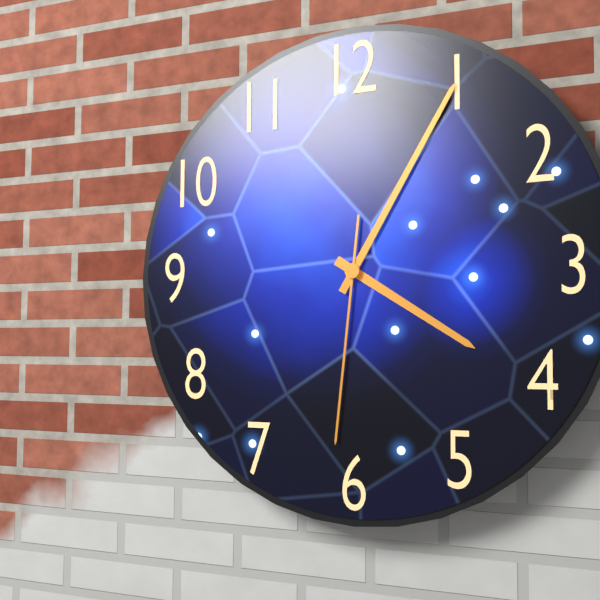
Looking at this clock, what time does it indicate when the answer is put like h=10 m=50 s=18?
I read h=4 m=5 s=31
